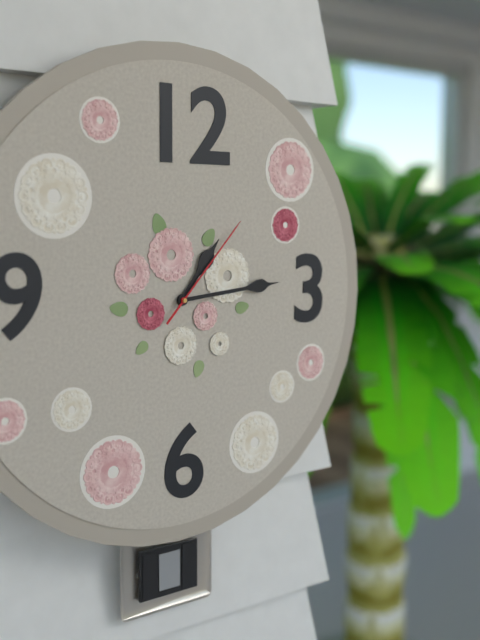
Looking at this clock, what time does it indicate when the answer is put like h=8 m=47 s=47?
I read h=1 m=14 s=7
